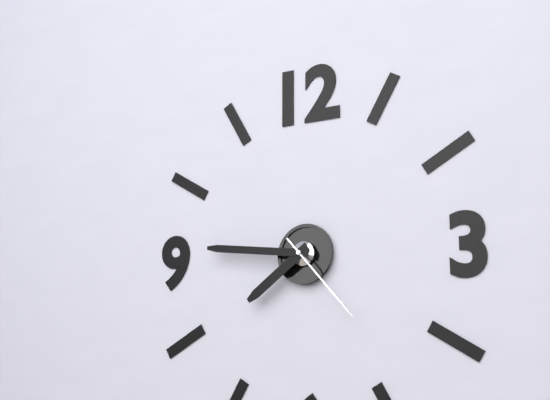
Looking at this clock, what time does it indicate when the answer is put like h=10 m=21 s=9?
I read h=7 m=46 s=23
